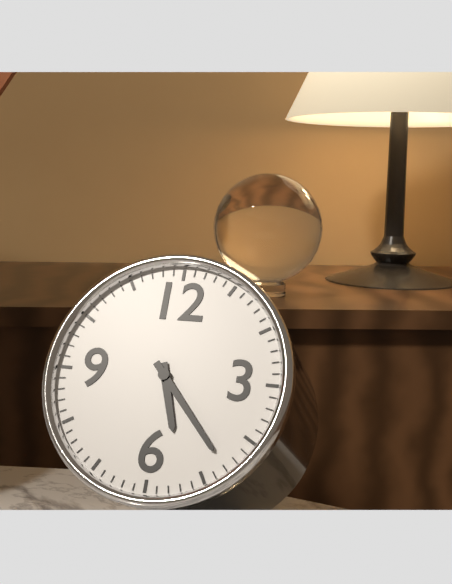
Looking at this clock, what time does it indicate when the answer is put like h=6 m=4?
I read h=5 m=23
